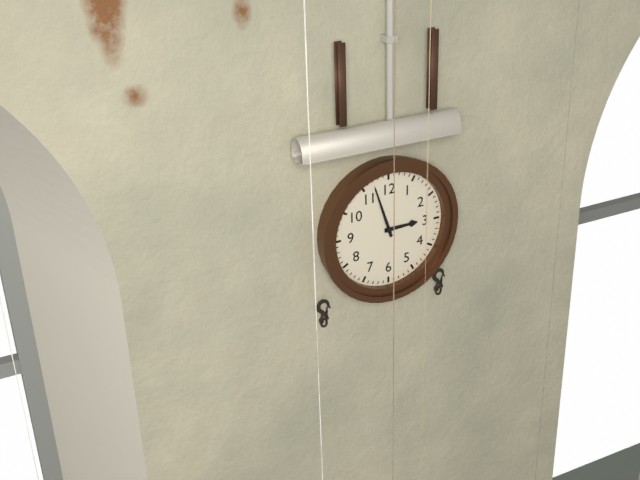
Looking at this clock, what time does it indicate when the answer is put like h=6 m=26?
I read h=2 m=57
